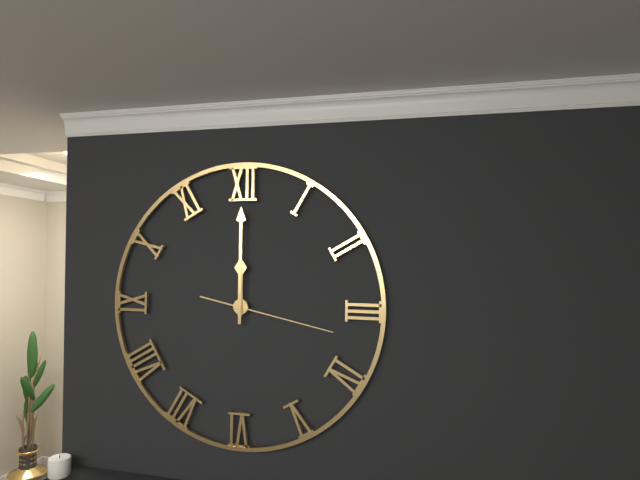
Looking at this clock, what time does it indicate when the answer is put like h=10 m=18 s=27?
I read h=12 m=0 s=17
